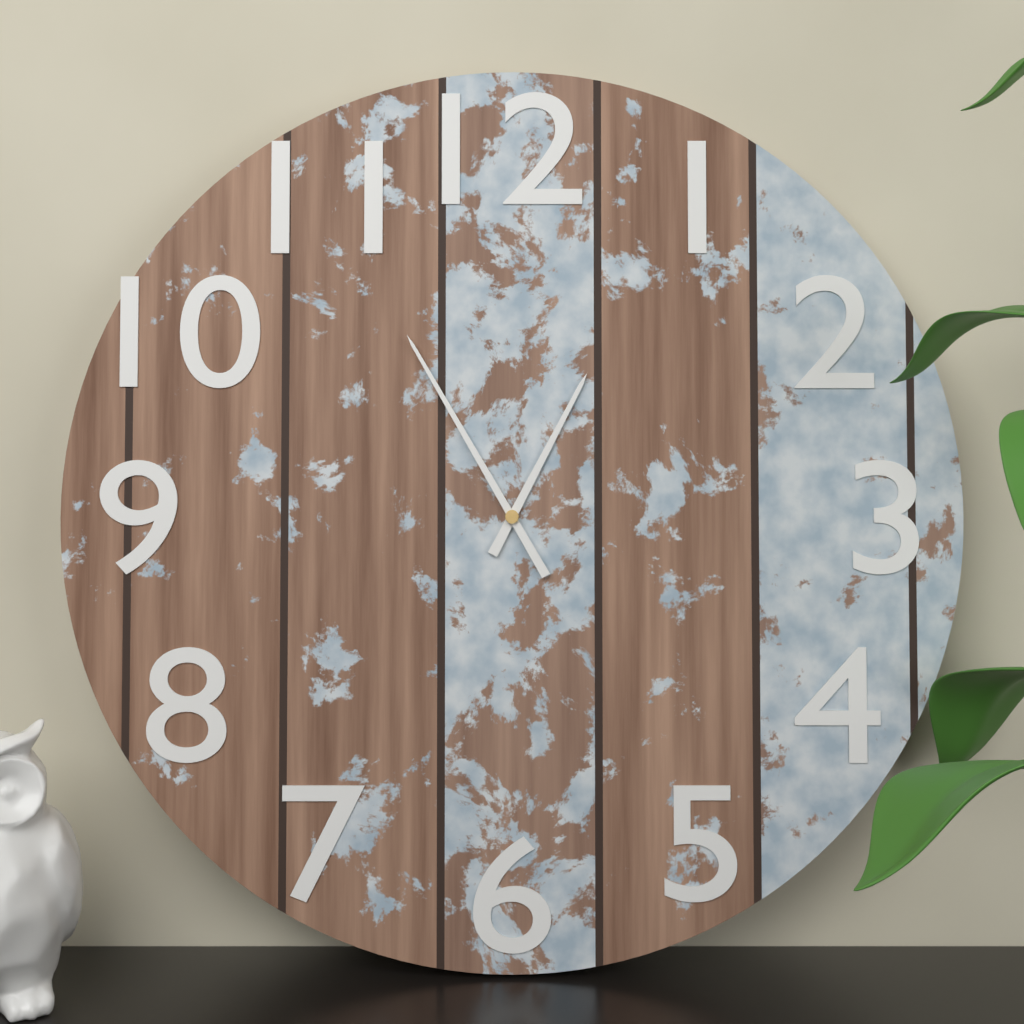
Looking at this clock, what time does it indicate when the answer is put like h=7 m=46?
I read h=12 m=55
